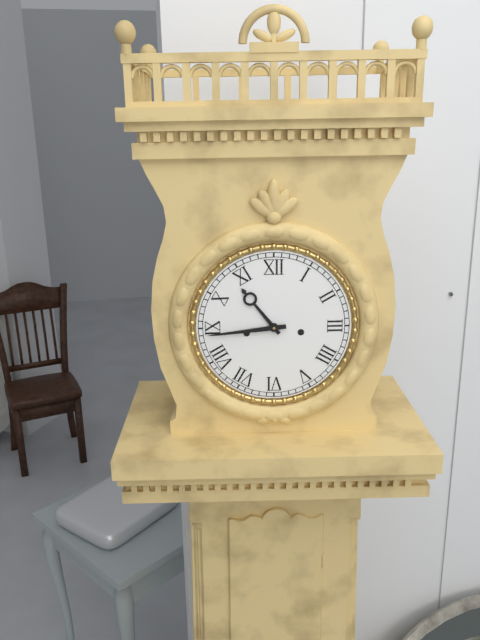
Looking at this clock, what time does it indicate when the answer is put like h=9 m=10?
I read h=10 m=44
